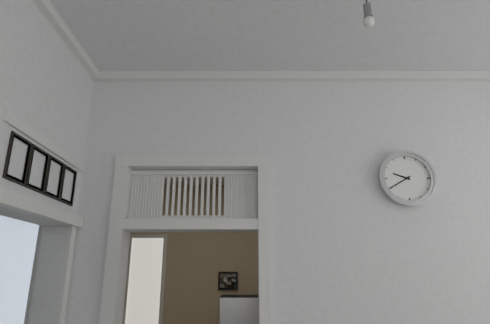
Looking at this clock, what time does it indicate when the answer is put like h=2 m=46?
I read h=9 m=40
